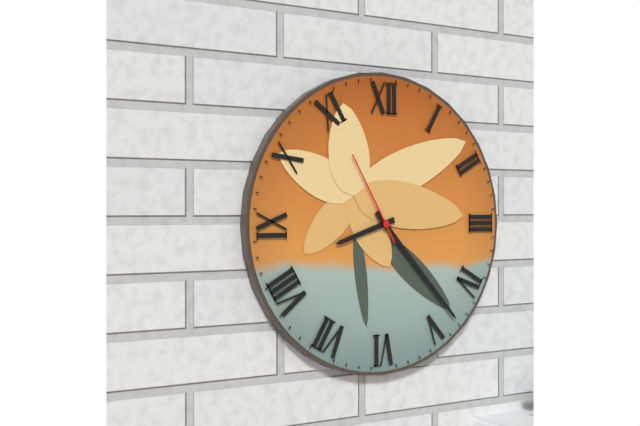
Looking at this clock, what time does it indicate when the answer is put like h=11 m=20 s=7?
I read h=8 m=23 s=55
